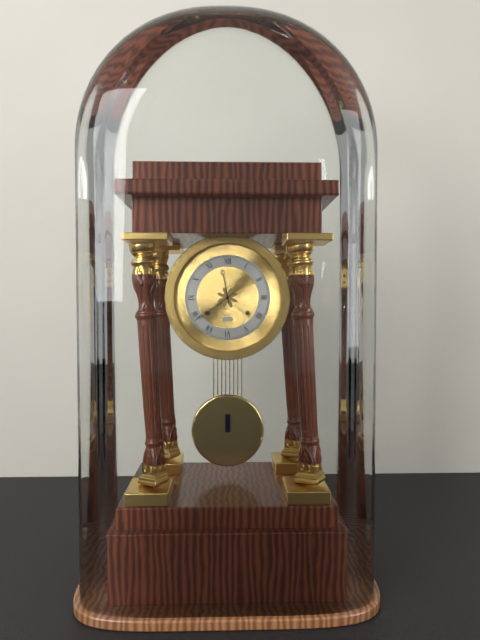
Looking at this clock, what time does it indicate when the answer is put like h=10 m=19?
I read h=11 m=39
